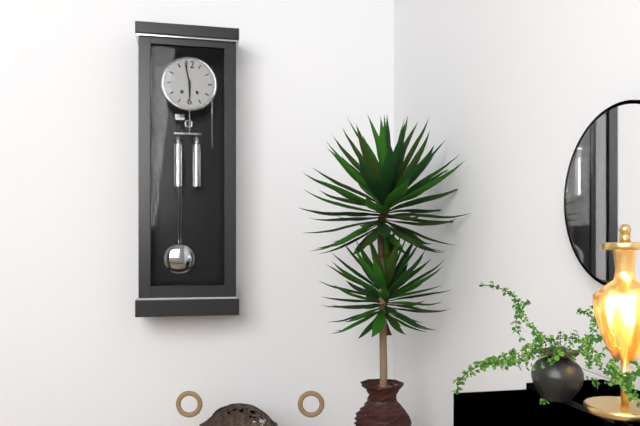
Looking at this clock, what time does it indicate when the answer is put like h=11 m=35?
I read h=5 m=58
